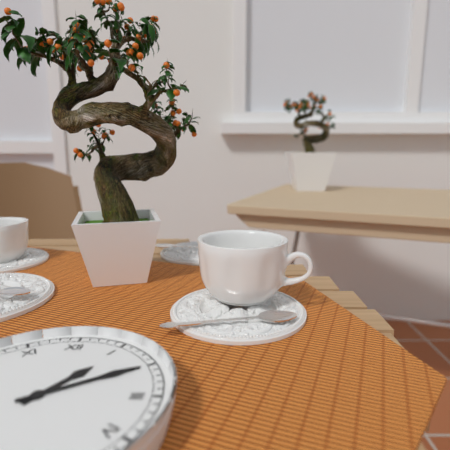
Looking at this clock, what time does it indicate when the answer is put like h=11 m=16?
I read h=1 m=10
